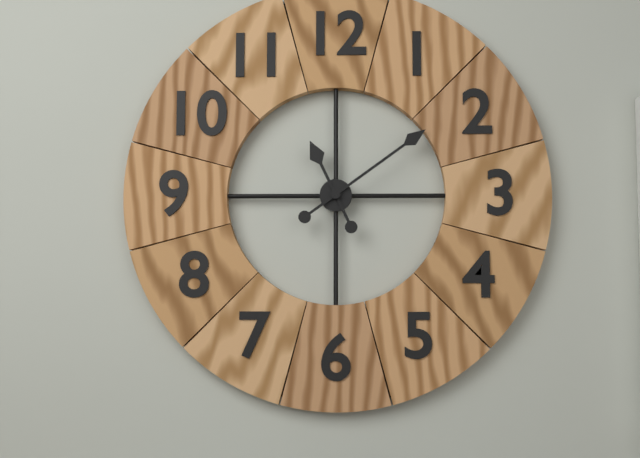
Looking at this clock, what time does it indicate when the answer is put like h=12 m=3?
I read h=11 m=9
